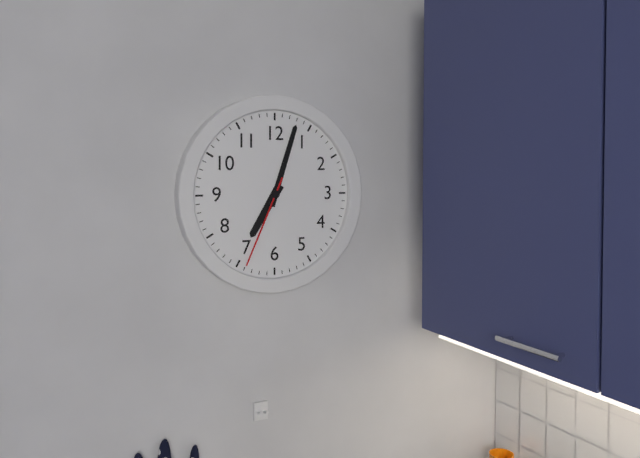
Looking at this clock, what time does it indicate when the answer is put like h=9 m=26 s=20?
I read h=7 m=3 s=34
